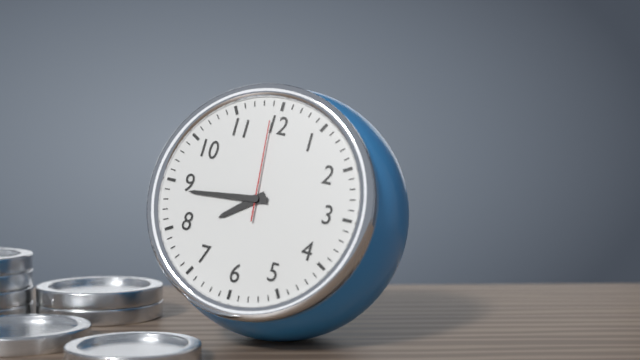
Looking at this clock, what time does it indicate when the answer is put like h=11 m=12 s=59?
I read h=7 m=44 s=59
